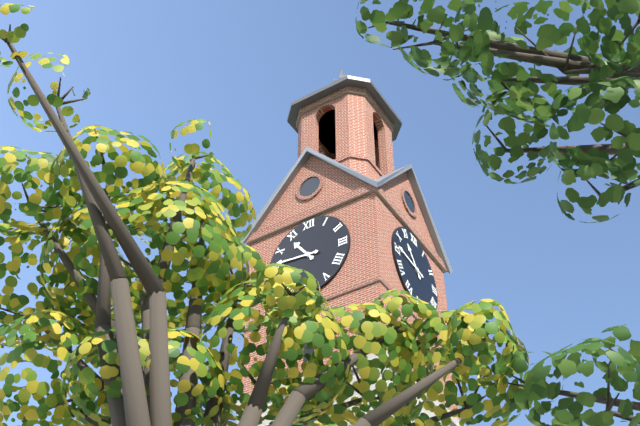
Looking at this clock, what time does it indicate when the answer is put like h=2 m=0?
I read h=10 m=46
